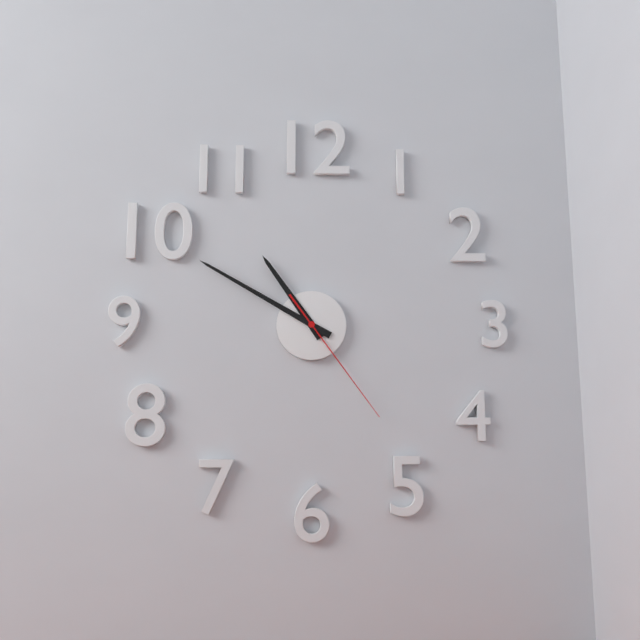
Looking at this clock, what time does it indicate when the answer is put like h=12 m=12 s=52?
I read h=10 m=50 s=24
